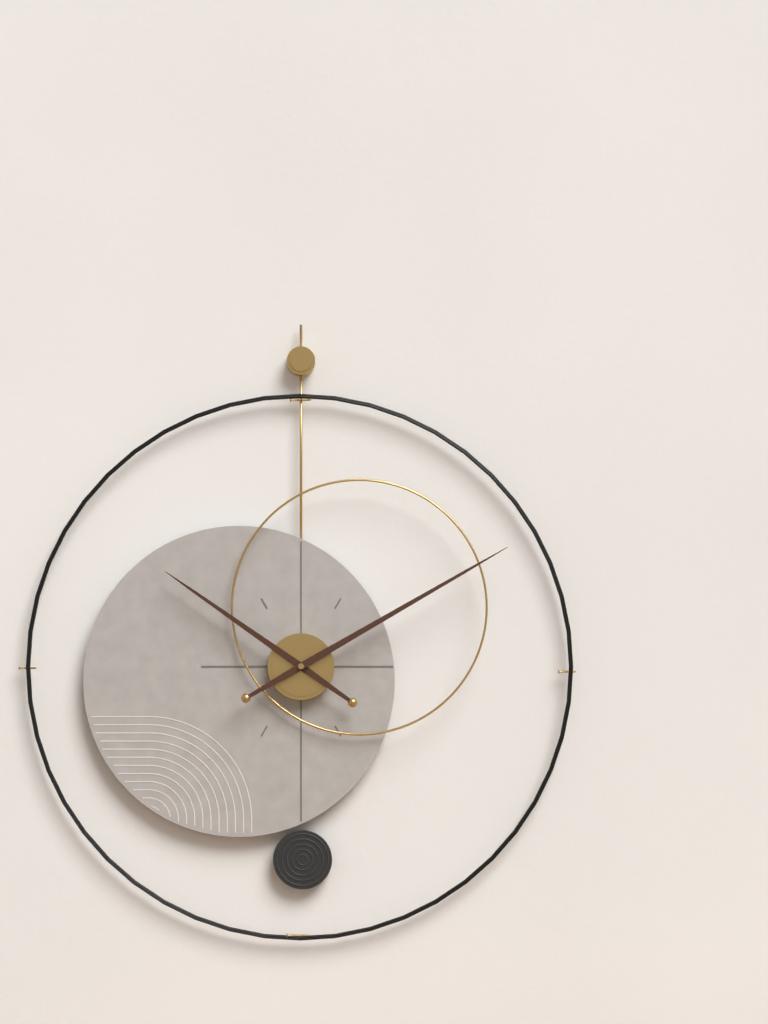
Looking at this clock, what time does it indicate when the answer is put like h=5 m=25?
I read h=10 m=10
